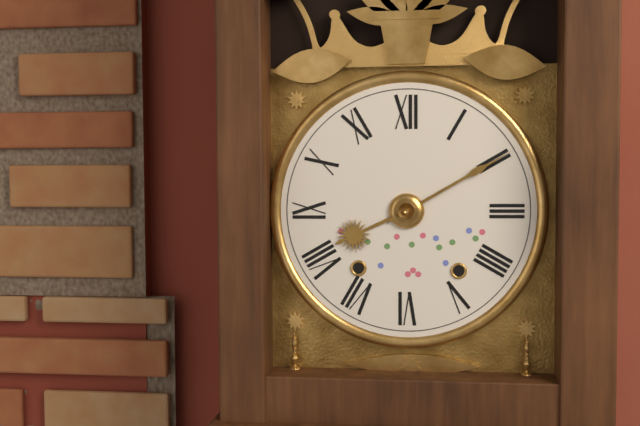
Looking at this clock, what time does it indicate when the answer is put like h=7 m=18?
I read h=8 m=10
